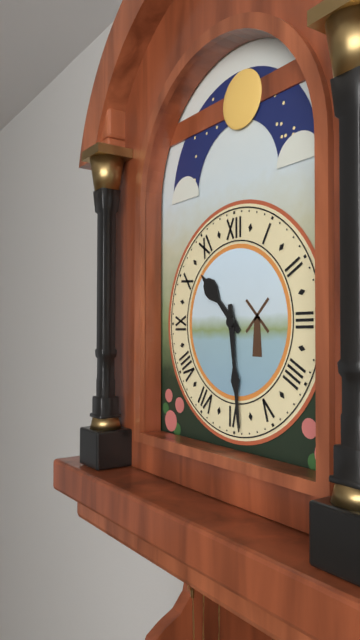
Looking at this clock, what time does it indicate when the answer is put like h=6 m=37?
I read h=10 m=29
